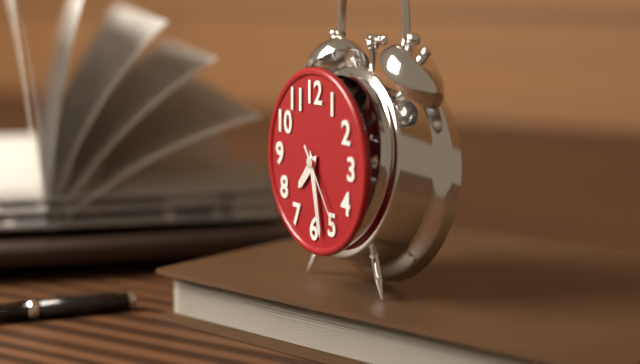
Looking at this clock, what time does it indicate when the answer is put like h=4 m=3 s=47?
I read h=7 m=28 s=24
